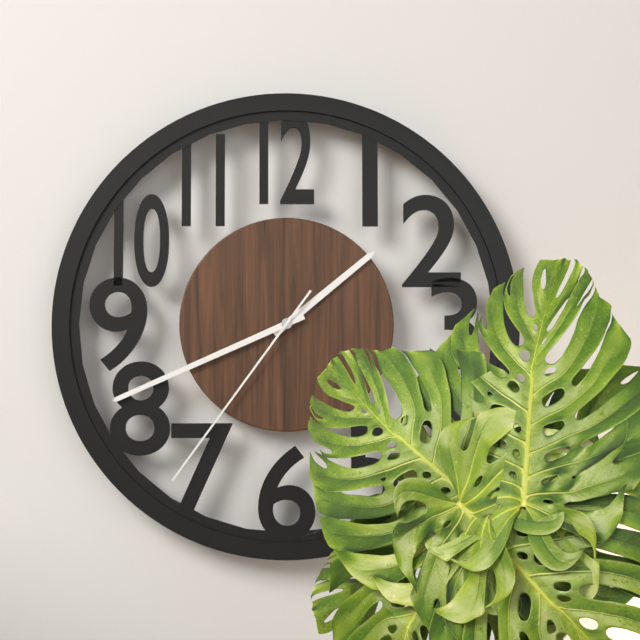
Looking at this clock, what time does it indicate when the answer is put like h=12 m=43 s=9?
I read h=1 m=41 s=36
